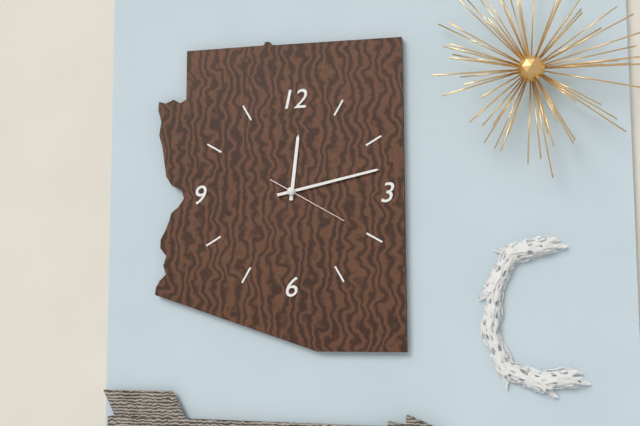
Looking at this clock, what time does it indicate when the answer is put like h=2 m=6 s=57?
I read h=12 m=13 s=20
